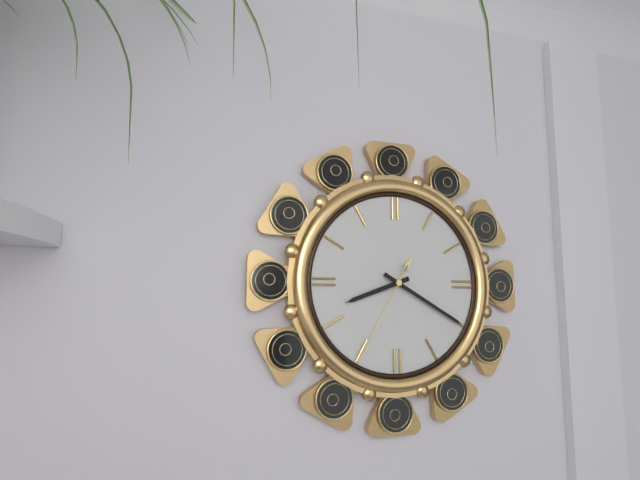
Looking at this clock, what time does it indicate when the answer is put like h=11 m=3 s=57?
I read h=8 m=20 s=35
